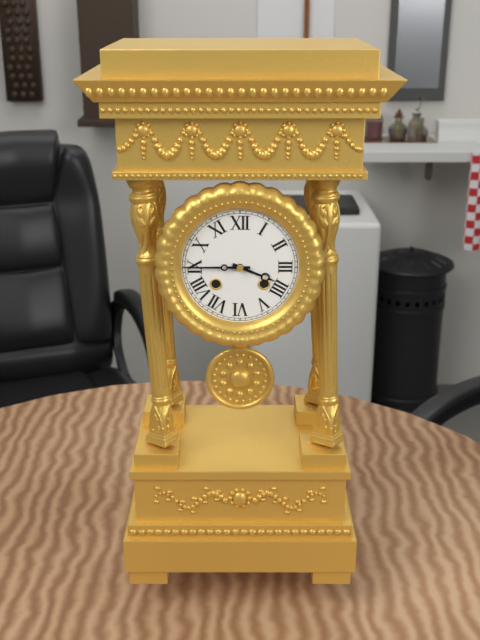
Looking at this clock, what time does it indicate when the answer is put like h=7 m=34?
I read h=3 m=45
